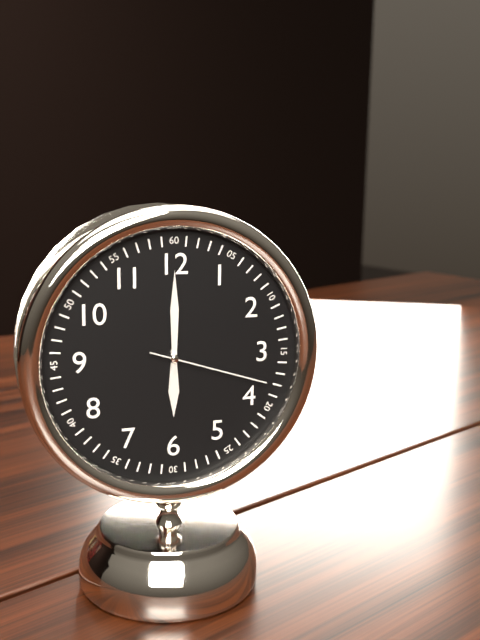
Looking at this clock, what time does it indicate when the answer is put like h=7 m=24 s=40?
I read h=6 m=0 s=18
